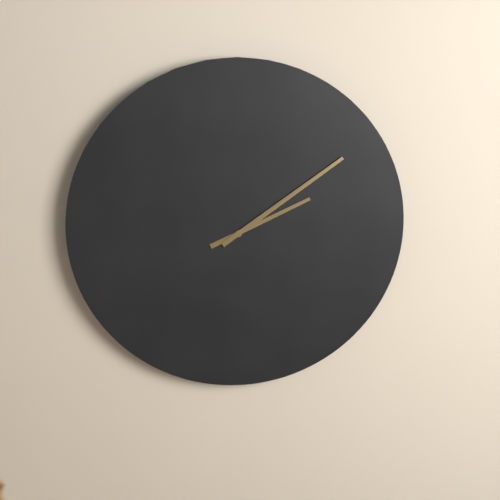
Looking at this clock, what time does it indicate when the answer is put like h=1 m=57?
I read h=2 m=9
